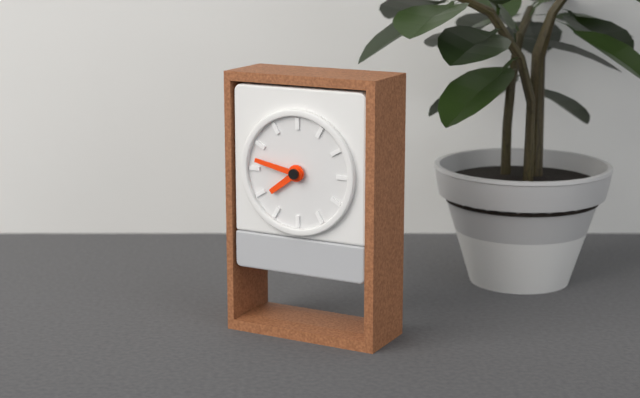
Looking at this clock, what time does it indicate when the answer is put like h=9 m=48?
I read h=7 m=47
